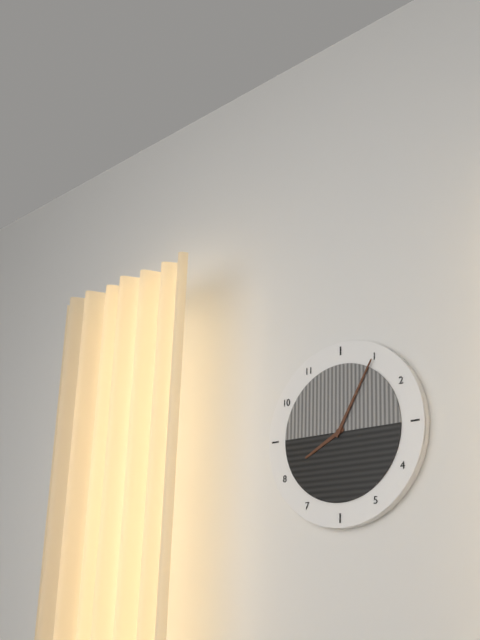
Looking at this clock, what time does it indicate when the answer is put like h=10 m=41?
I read h=8 m=5
